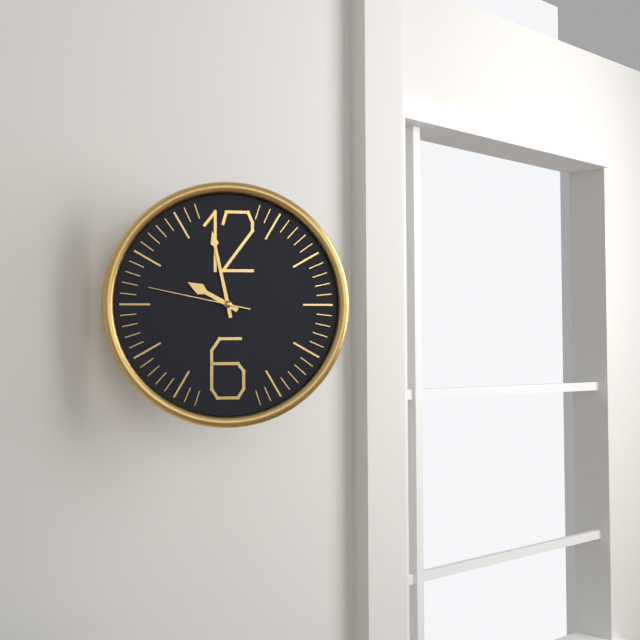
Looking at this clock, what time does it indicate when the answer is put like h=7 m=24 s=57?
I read h=9 m=58 s=47
